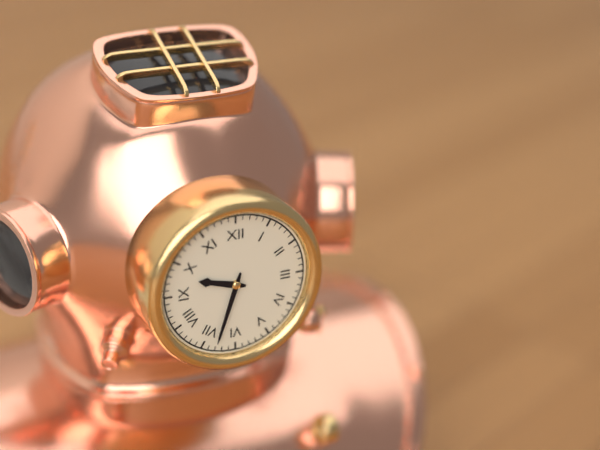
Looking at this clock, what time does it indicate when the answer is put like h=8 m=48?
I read h=9 m=33
